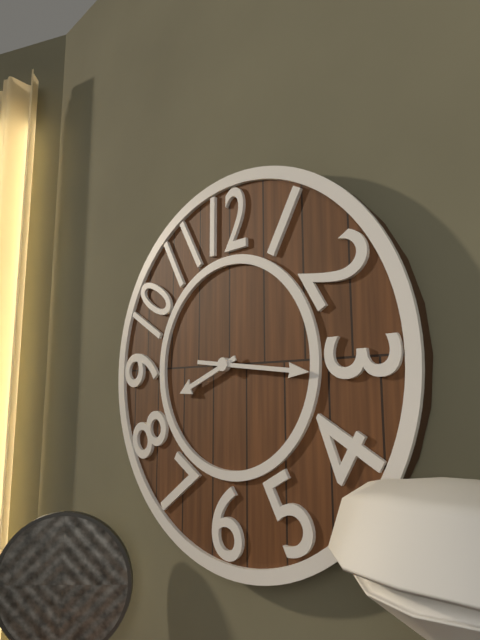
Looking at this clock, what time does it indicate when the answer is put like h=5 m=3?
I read h=8 m=16
